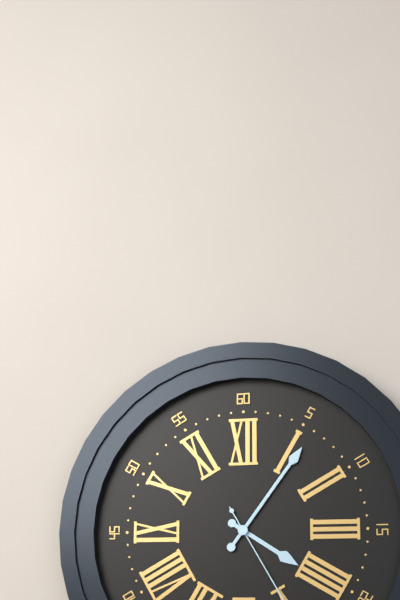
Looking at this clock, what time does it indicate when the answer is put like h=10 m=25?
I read h=4 m=6
